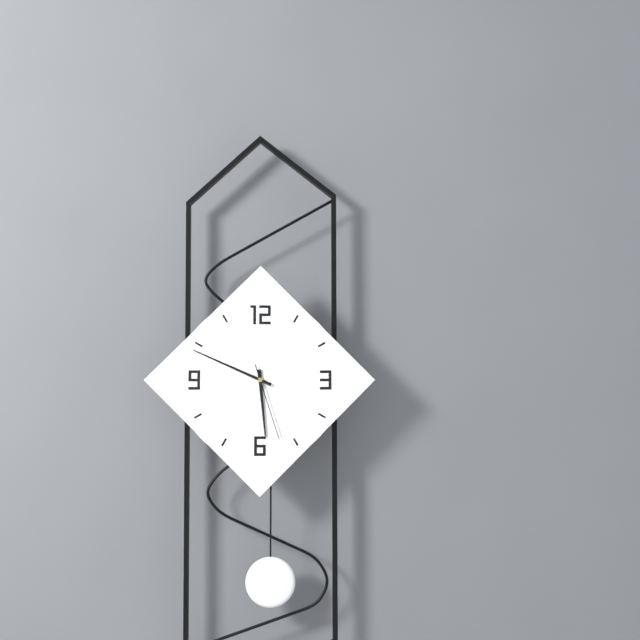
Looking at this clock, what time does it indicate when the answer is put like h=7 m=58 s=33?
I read h=5 m=49 s=27
